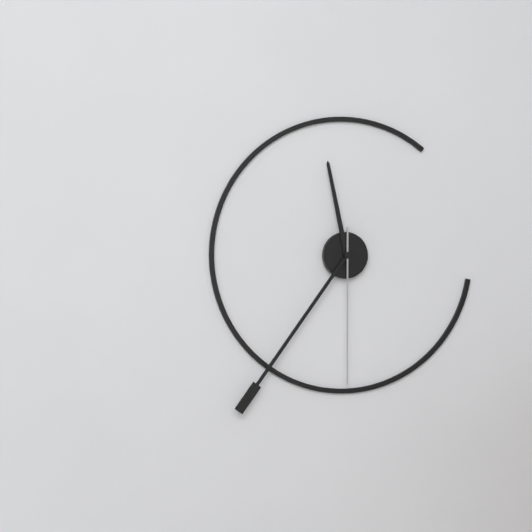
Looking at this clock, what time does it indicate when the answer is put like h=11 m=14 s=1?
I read h=11 m=36 s=30
